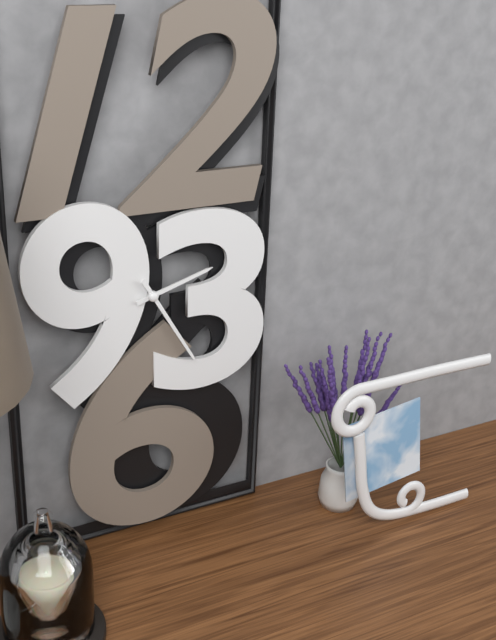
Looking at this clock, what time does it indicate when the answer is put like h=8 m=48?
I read h=2 m=25
